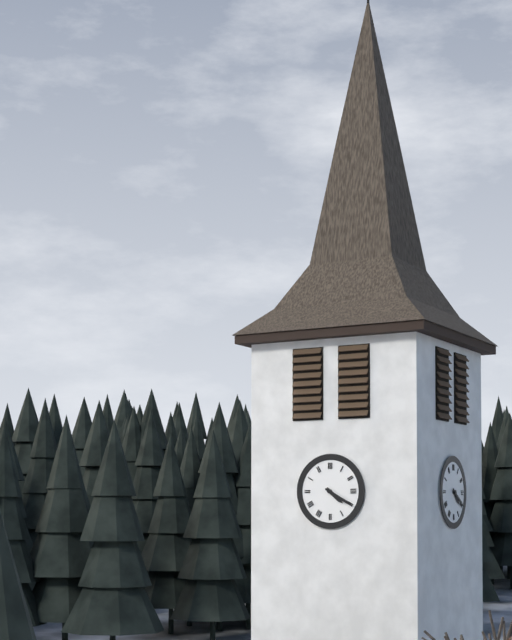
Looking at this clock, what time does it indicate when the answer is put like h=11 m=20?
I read h=4 m=20
